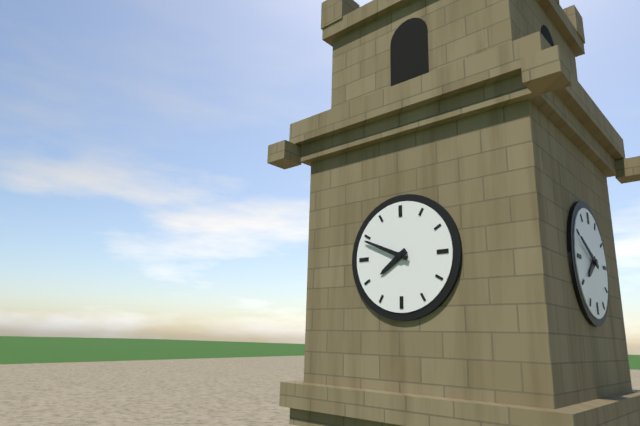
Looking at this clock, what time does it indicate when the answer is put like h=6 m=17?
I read h=7 m=49
